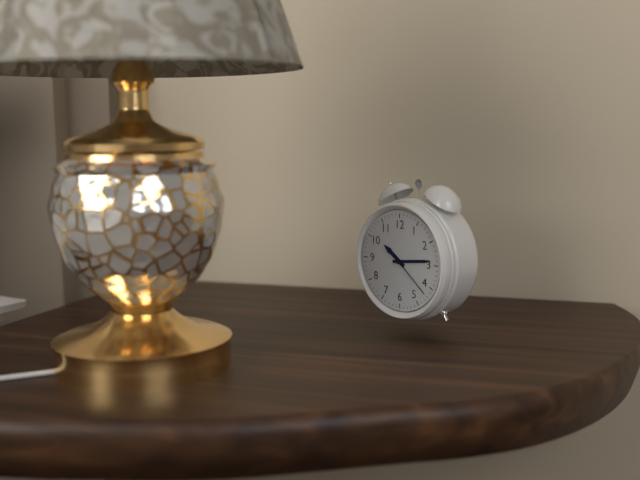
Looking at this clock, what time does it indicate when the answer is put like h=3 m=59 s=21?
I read h=10 m=14 s=22
